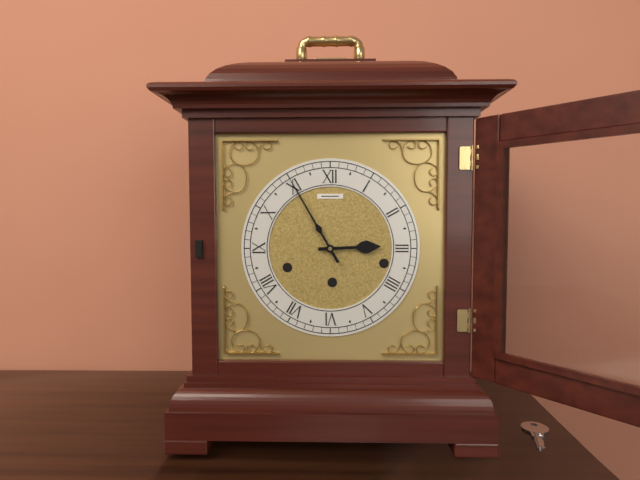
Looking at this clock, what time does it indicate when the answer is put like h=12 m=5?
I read h=2 m=55
